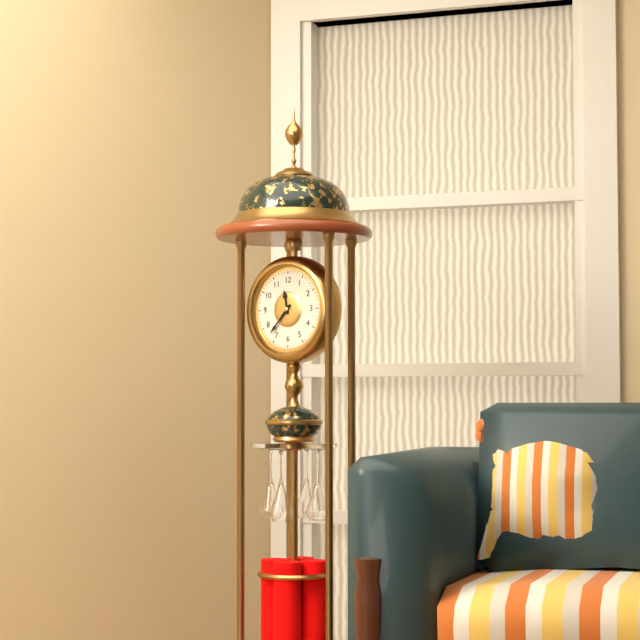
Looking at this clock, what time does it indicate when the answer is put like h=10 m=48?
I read h=11 m=37
